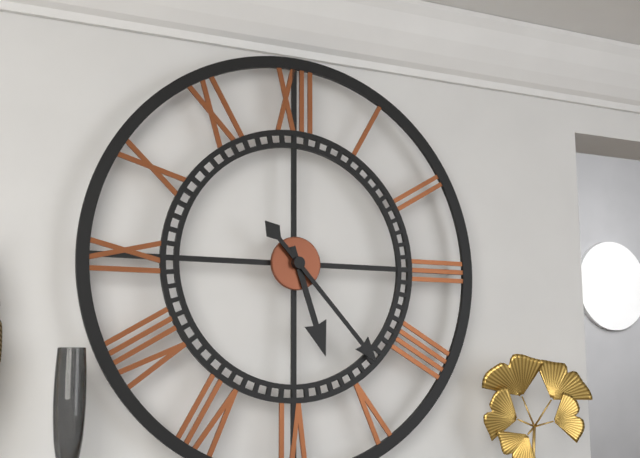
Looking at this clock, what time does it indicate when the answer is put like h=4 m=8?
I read h=5 m=23
